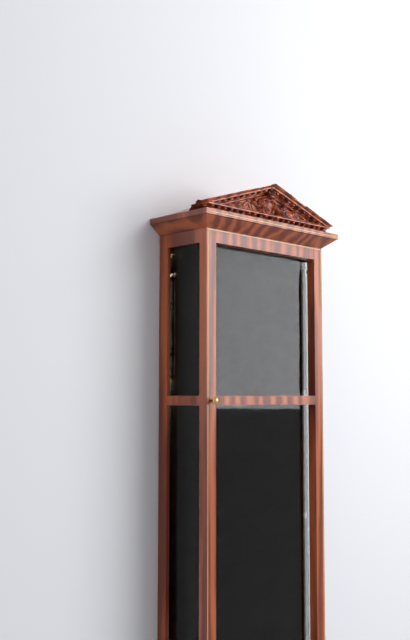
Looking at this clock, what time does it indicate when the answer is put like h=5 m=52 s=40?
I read h=5 m=36 s=18
